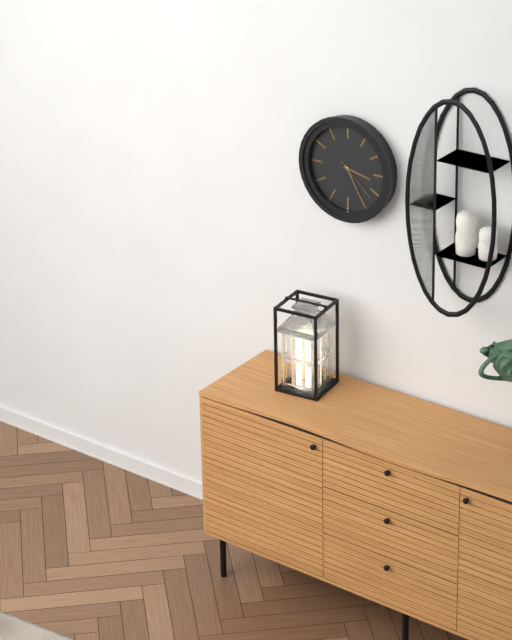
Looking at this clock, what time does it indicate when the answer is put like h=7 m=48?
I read h=3 m=25
